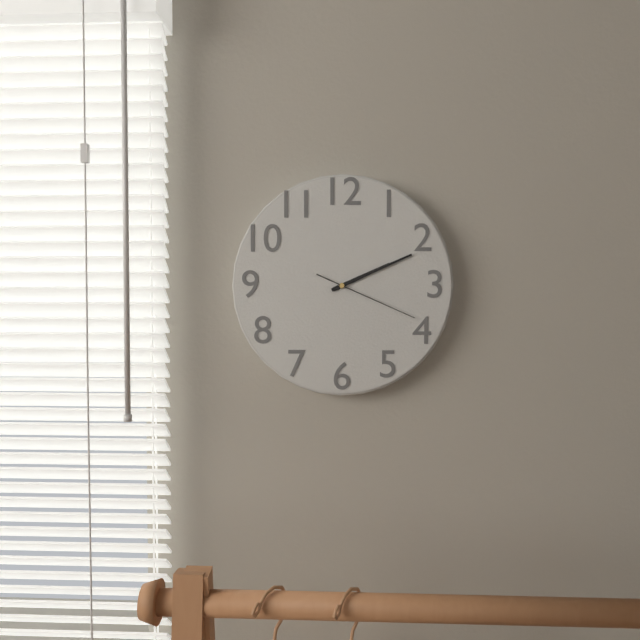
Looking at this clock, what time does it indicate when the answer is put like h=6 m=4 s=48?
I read h=2 m=11 s=19
